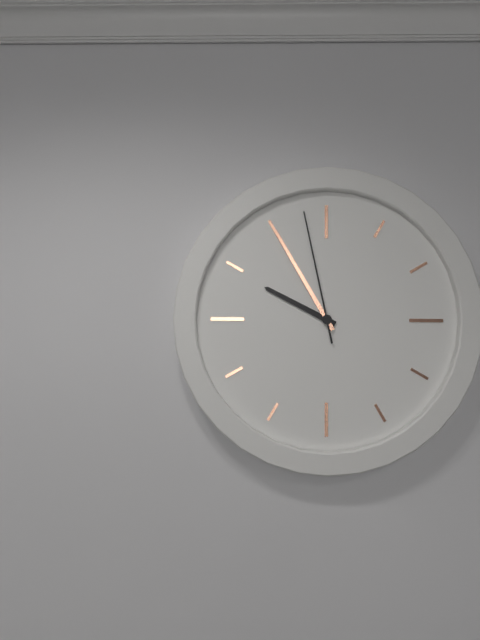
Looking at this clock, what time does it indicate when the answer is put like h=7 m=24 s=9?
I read h=9 m=55 s=58
